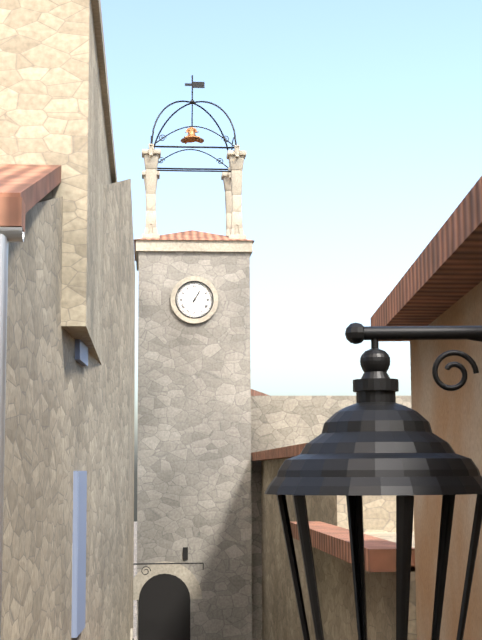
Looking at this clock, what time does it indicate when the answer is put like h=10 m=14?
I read h=1 m=5
